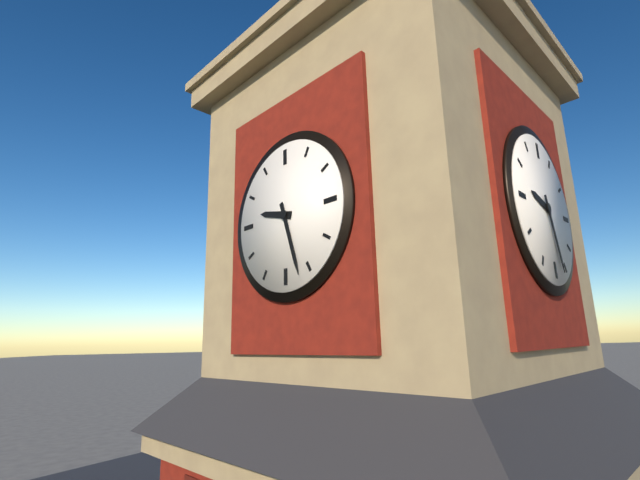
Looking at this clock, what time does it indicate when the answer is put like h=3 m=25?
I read h=9 m=27
